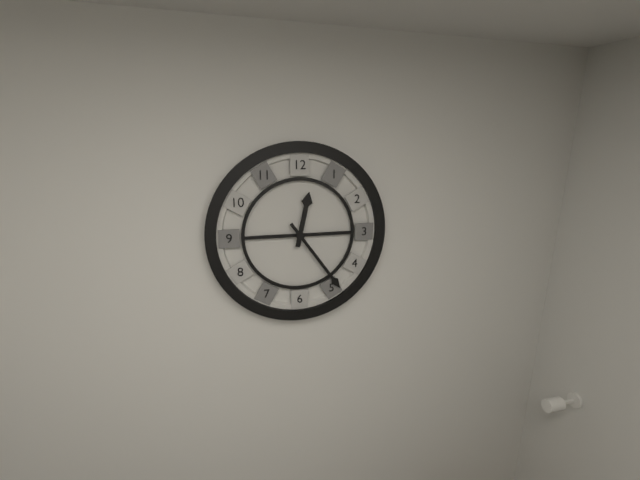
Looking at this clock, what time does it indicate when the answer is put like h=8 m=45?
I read h=12 m=24
